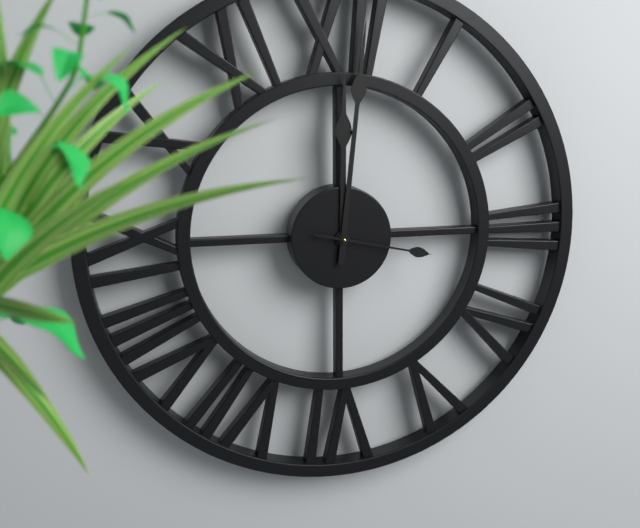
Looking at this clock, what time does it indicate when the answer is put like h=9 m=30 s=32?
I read h=12 m=1 s=17
